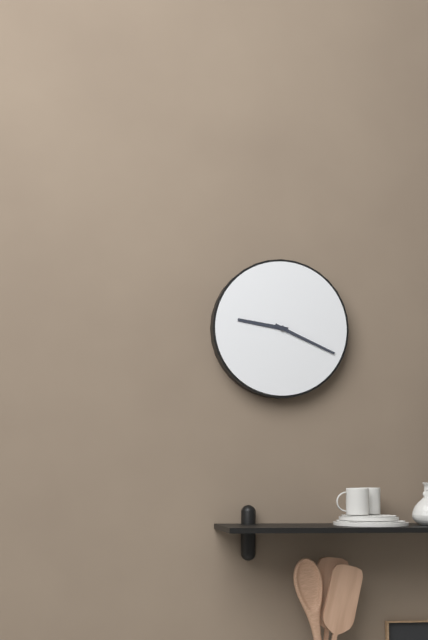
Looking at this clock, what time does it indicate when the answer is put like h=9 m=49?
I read h=9 m=19
